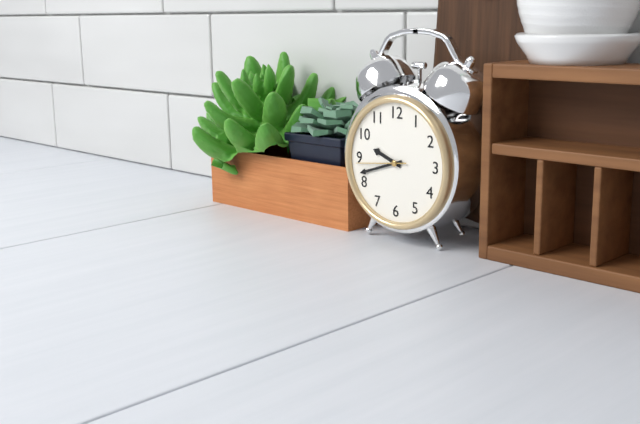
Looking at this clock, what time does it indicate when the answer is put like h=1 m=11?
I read h=9 m=42
